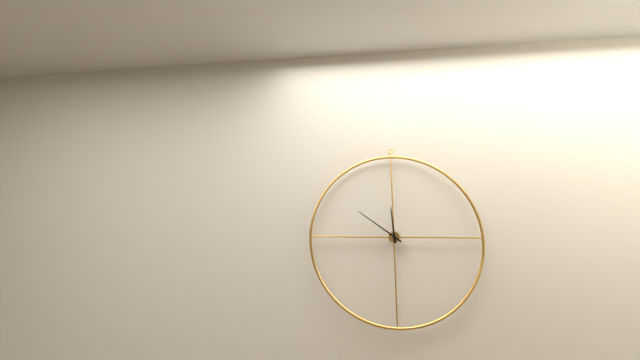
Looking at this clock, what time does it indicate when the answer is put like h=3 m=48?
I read h=11 m=51
